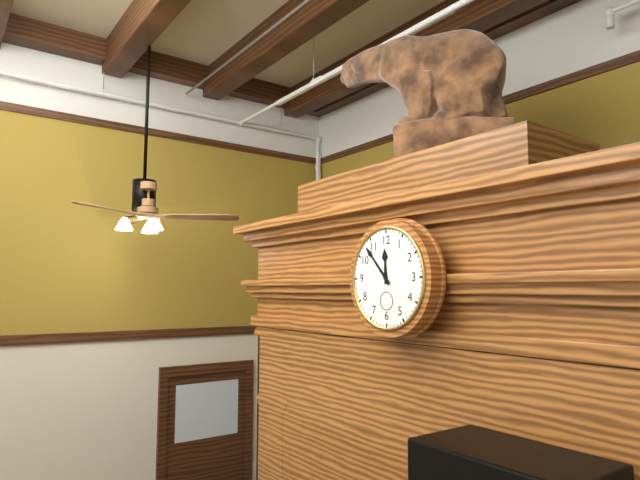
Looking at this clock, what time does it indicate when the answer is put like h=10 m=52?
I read h=11 m=53
